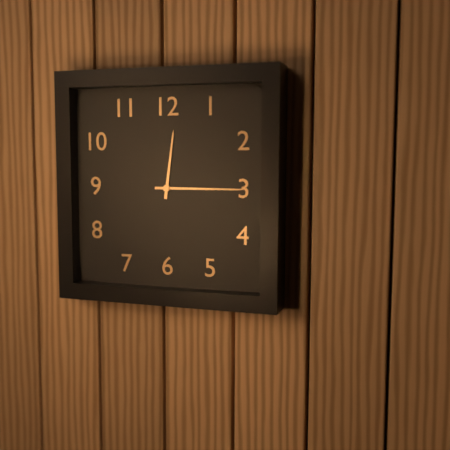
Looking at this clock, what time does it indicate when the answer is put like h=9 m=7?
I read h=12 m=15
